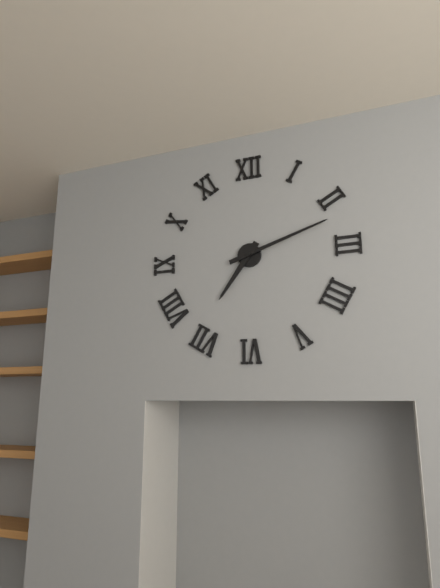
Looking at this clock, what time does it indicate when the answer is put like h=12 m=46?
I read h=7 m=12
